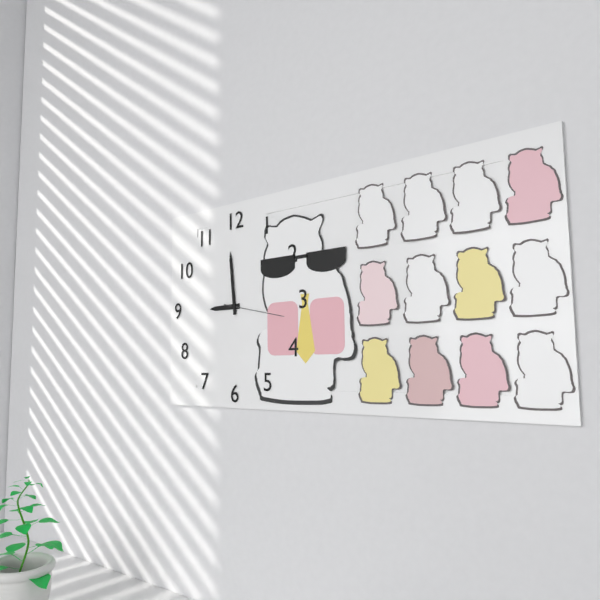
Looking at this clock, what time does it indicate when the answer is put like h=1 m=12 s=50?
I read h=8 m=59 s=17
